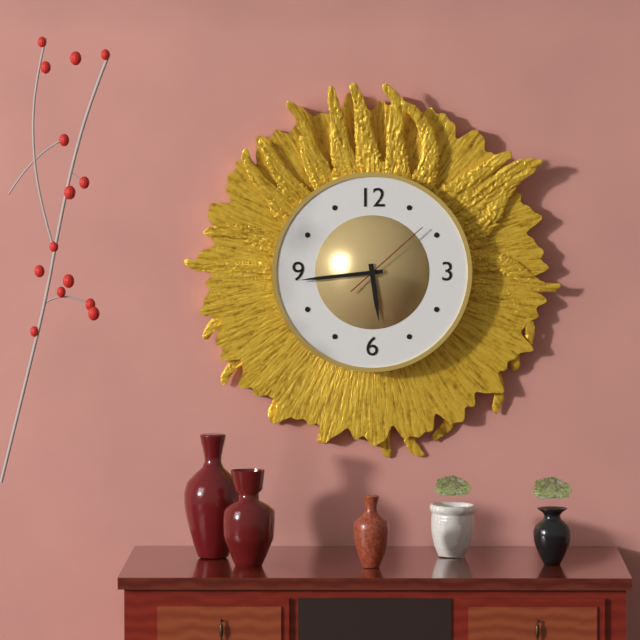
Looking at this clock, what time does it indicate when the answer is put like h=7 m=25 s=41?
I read h=5 m=44 s=8
